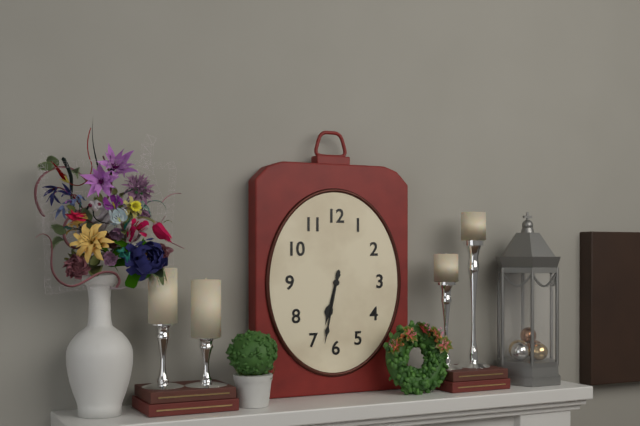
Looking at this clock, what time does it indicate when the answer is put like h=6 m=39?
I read h=6 m=32
